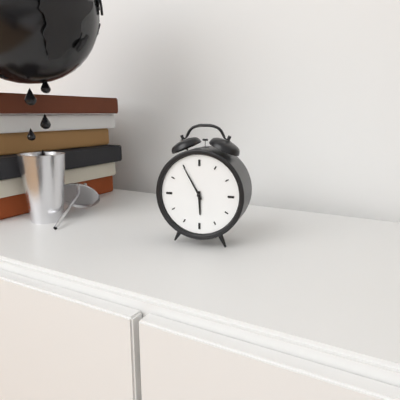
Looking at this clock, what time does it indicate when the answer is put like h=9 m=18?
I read h=5 m=55
